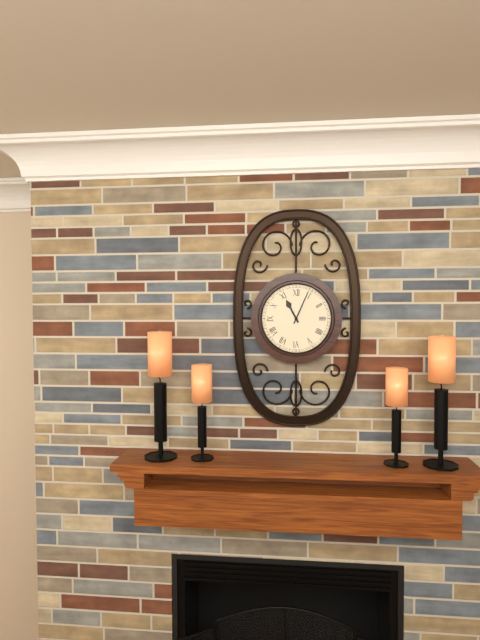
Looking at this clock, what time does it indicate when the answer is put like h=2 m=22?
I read h=11 m=4
